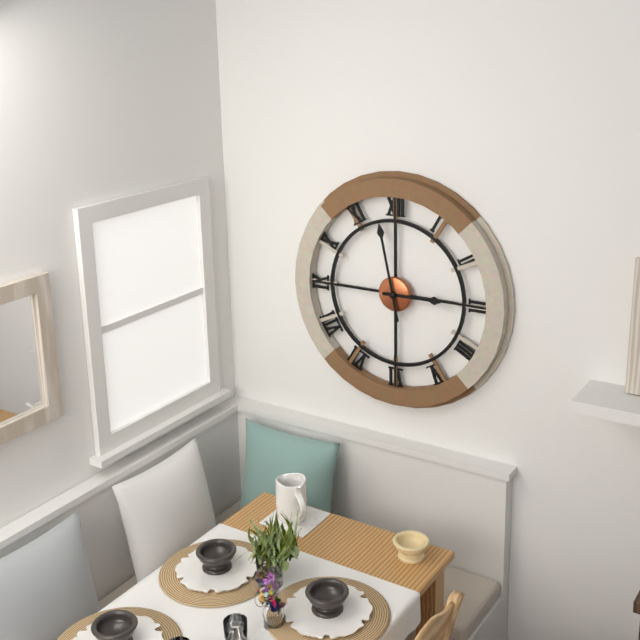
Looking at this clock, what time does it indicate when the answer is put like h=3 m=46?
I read h=2 m=58
